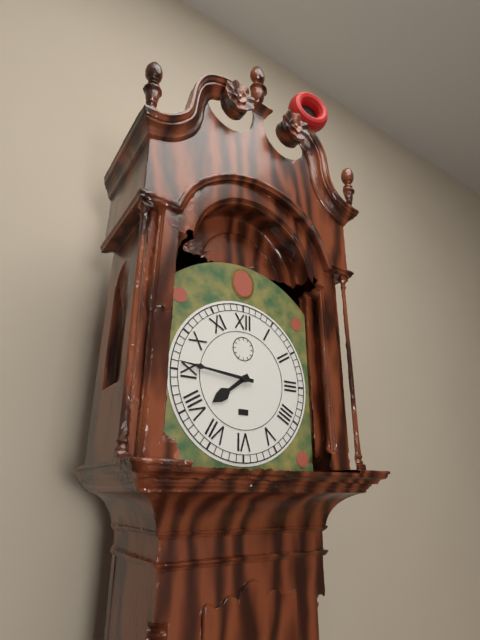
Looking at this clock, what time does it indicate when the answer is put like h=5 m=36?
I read h=7 m=46
